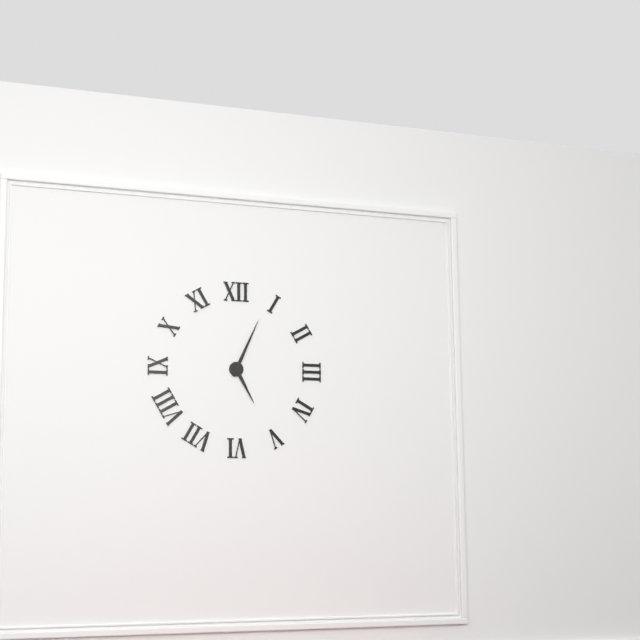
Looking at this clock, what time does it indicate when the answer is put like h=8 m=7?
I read h=5 m=4
